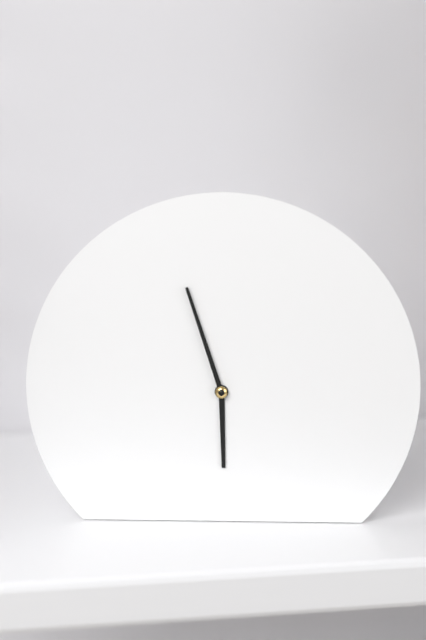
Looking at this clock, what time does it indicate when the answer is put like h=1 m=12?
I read h=5 m=57
